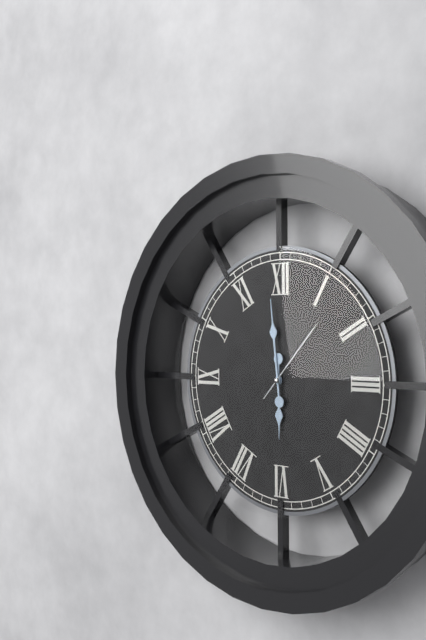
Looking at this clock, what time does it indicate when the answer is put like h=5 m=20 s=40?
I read h=5 m=59 s=7
